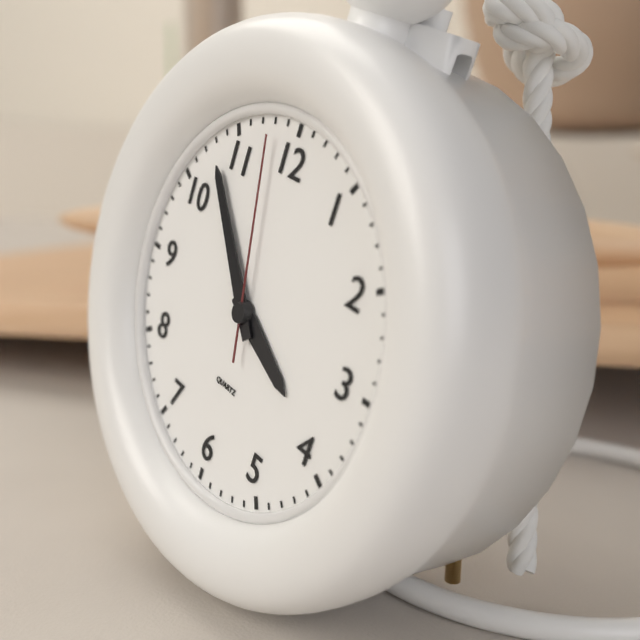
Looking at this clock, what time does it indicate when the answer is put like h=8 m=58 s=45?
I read h=3 m=53 s=58
